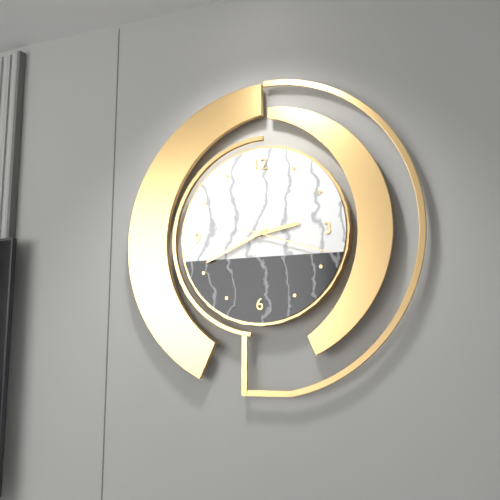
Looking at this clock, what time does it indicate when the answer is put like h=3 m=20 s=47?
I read h=2 m=41 s=18
